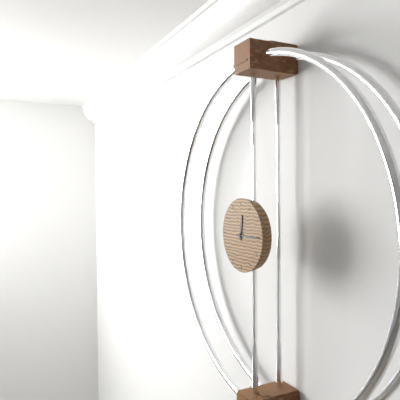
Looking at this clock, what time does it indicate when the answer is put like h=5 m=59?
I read h=12 m=15
